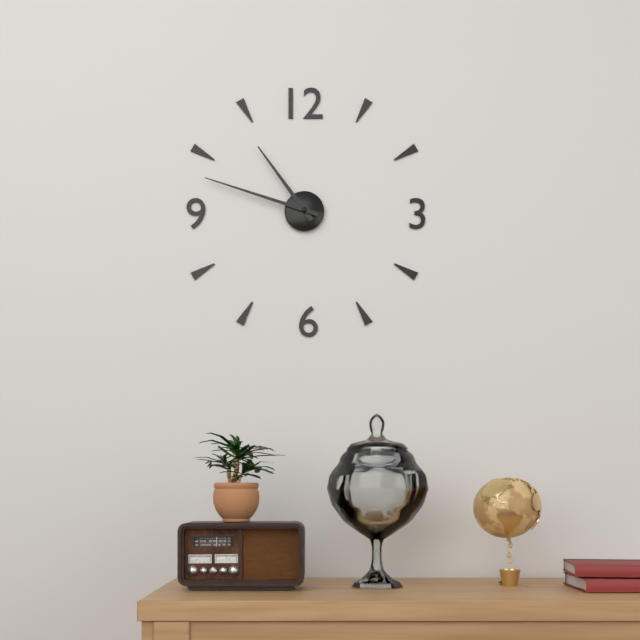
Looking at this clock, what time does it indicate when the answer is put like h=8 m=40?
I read h=10 m=48
